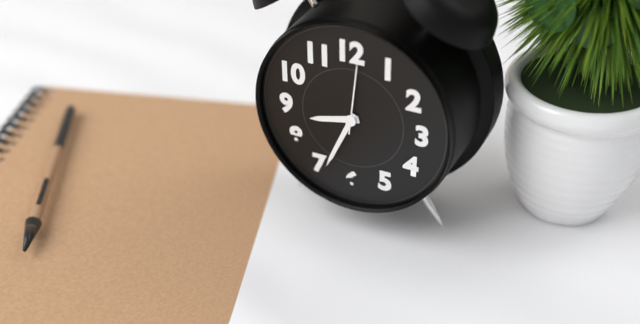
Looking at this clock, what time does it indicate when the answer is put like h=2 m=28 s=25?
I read h=8 m=34 s=1
